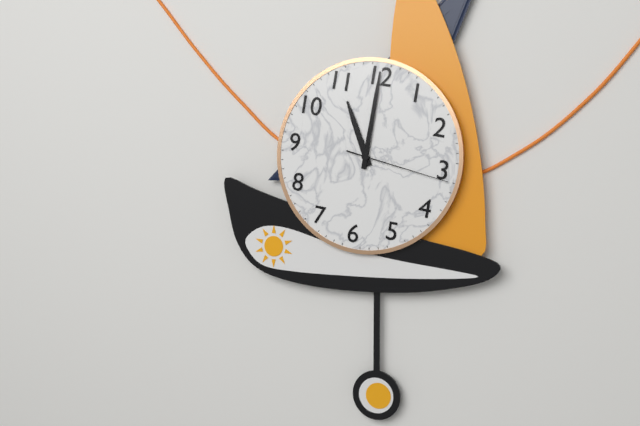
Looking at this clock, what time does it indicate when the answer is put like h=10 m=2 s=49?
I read h=11 m=0 s=16
